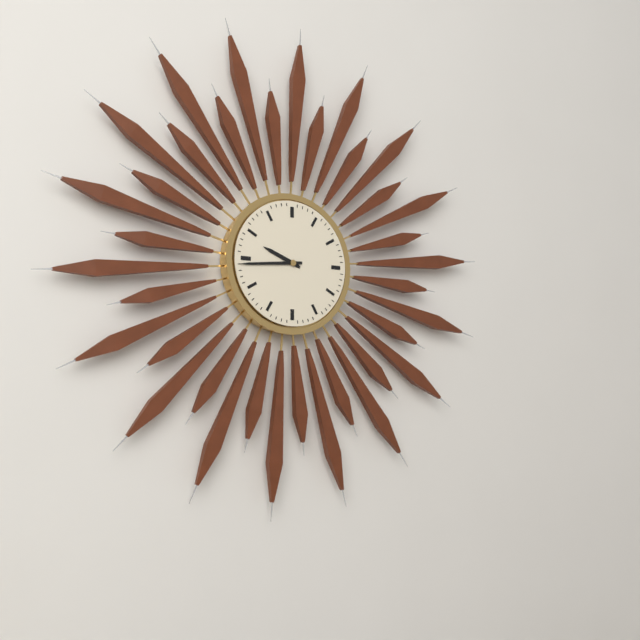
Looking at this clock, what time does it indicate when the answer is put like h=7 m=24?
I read h=9 m=44
